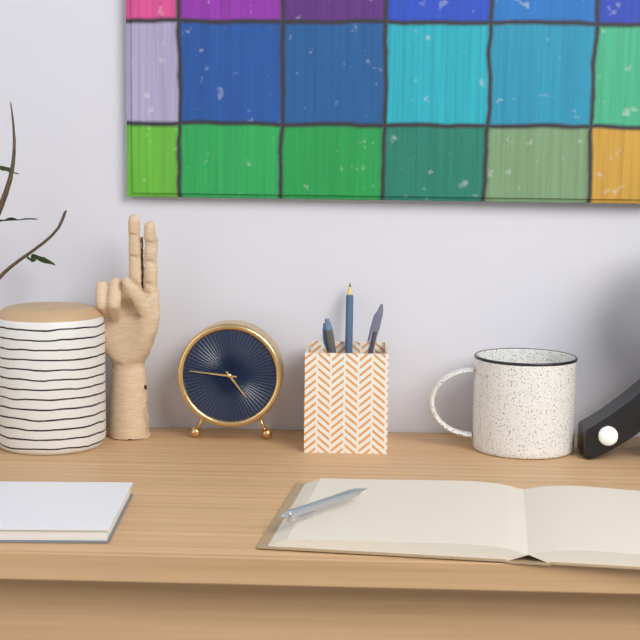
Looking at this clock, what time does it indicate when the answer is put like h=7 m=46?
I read h=4 m=46
